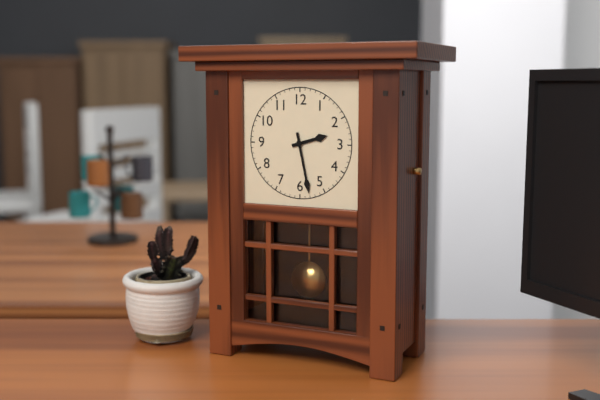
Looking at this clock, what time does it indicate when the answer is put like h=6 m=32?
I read h=2 m=28
